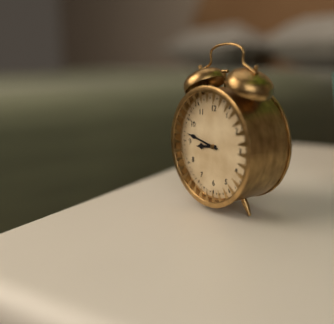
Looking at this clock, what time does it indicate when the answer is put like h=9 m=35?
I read h=8 m=47
